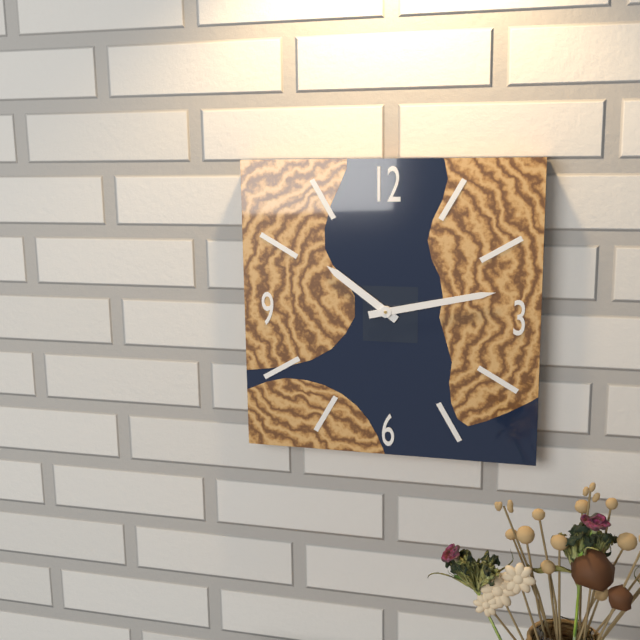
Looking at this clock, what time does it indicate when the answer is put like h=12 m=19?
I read h=10 m=13
